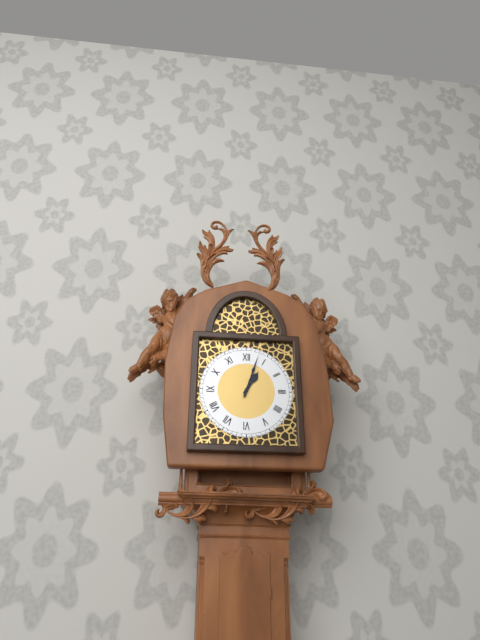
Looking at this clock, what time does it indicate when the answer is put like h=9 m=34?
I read h=1 m=3
